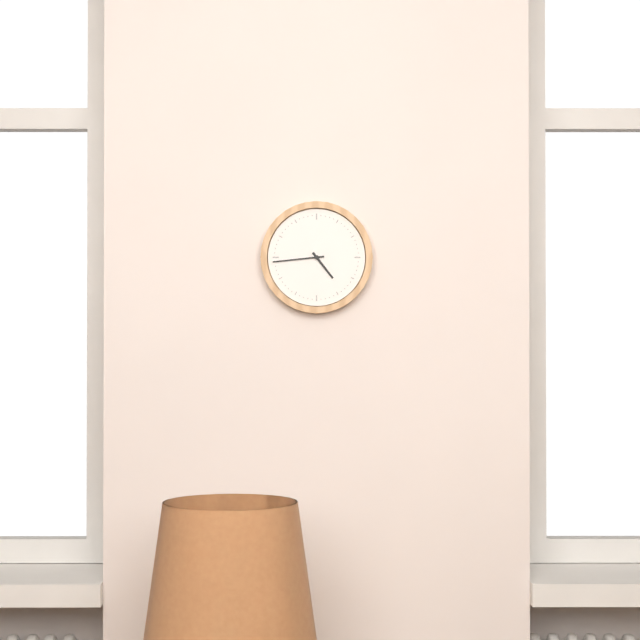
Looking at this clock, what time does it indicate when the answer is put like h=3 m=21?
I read h=4 m=44
